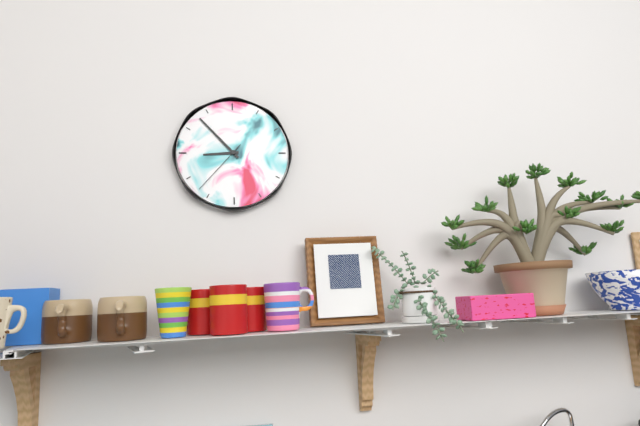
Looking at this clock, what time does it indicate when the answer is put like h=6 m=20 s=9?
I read h=8 m=53 s=37
